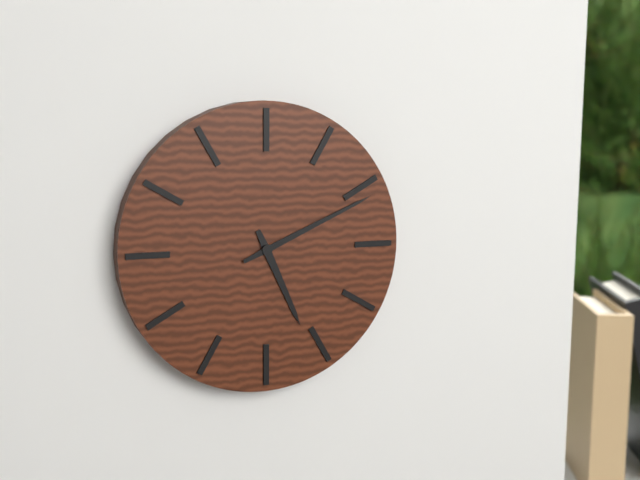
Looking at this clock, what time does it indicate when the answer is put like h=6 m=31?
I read h=5 m=11
